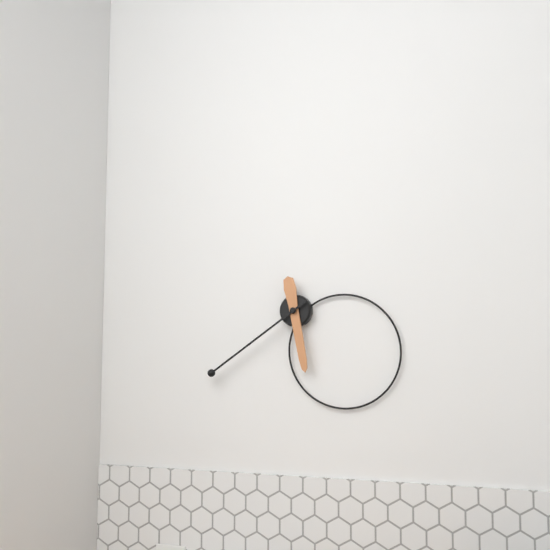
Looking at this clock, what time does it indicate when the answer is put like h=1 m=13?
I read h=5 m=39
